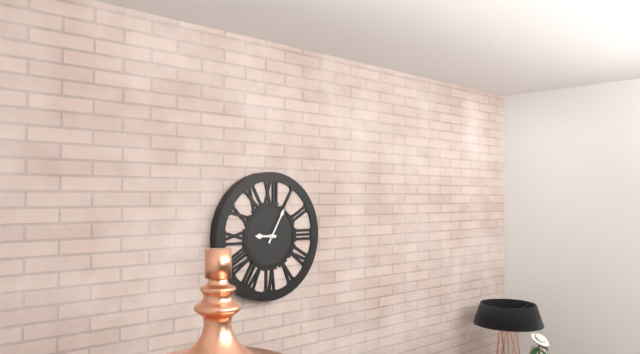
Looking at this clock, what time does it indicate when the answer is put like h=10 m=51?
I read h=9 m=5
